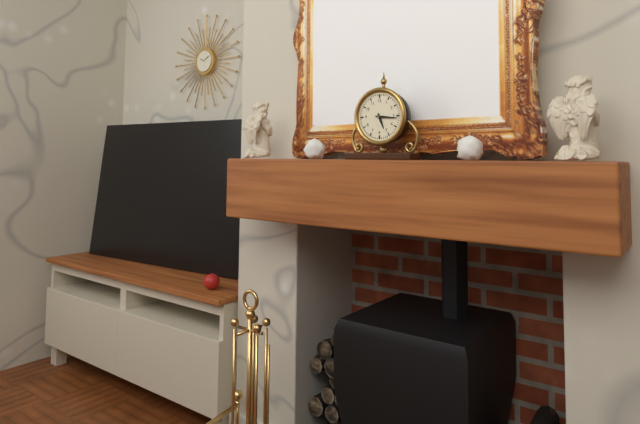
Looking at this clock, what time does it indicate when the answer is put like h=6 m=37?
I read h=5 m=16
